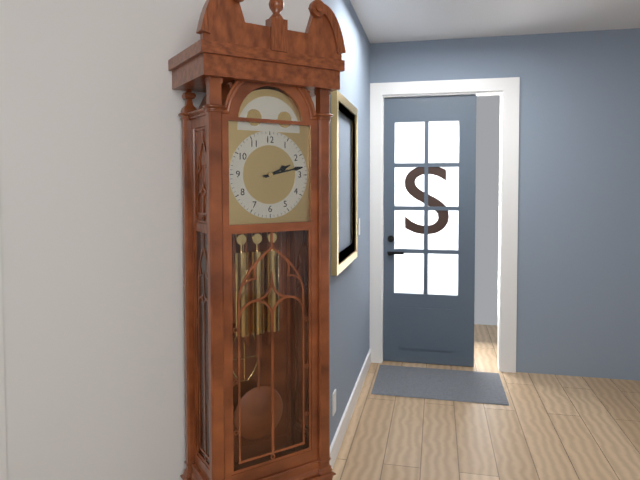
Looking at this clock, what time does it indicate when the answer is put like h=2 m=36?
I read h=2 m=13
